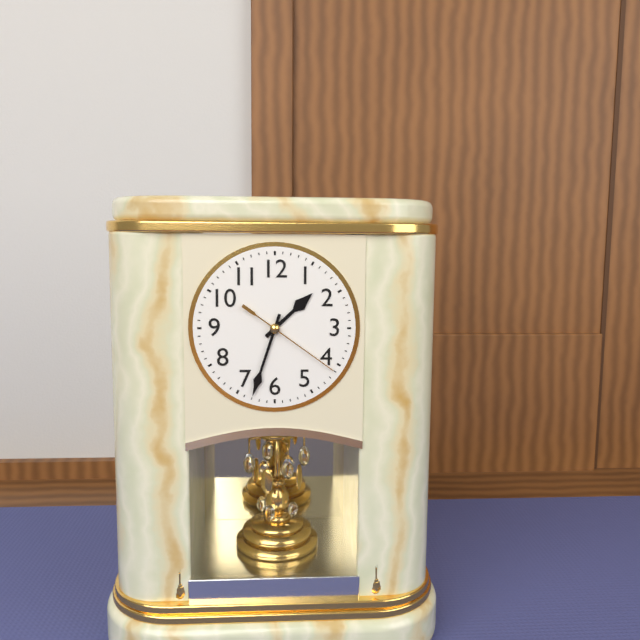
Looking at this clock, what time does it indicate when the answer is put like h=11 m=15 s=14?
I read h=1 m=33 s=21
